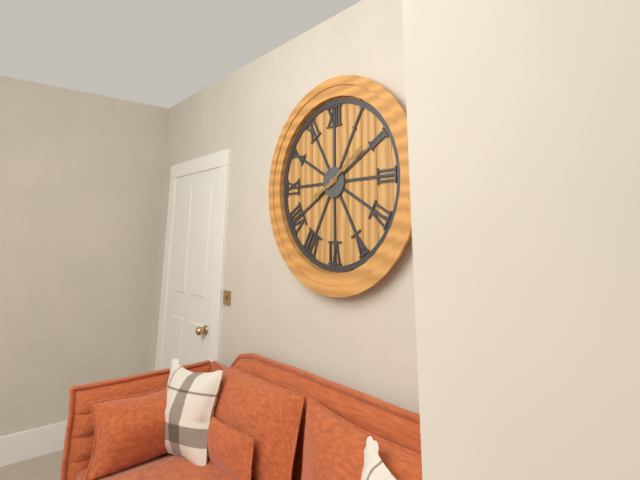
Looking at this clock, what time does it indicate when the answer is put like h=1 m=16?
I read h=8 m=9
